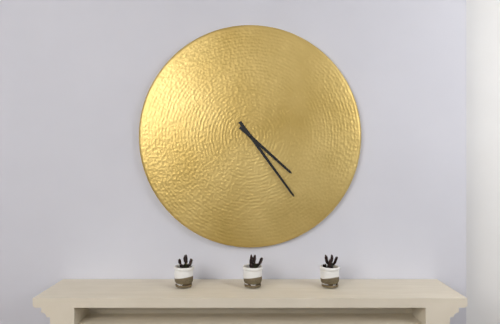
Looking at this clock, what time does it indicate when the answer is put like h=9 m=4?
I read h=4 m=24
